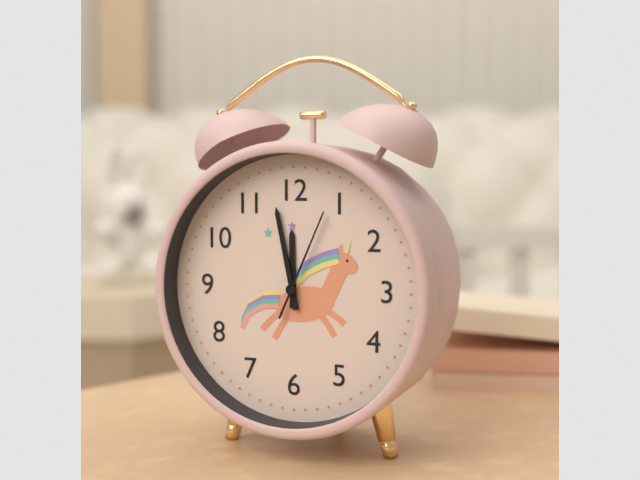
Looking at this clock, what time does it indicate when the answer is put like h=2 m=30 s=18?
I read h=11 m=58 s=4
